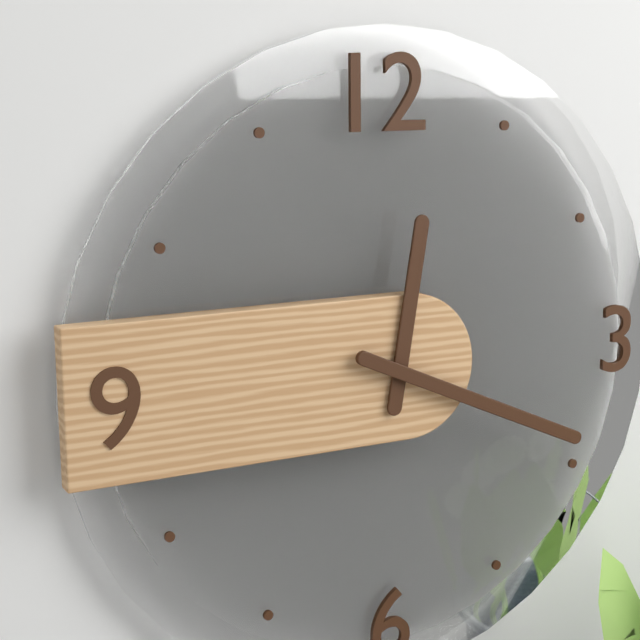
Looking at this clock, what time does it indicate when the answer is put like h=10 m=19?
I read h=12 m=19
